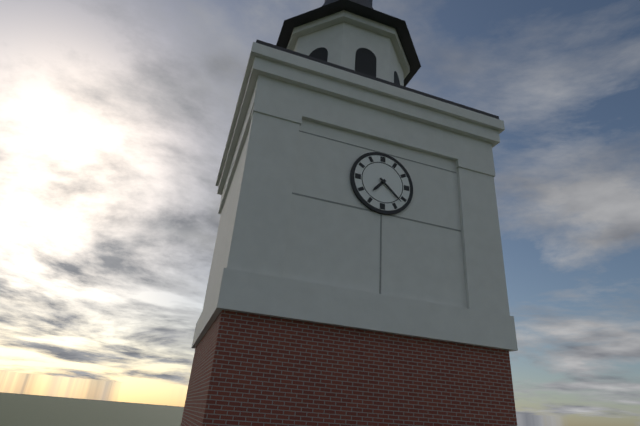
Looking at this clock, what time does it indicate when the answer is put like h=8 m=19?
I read h=7 m=22
